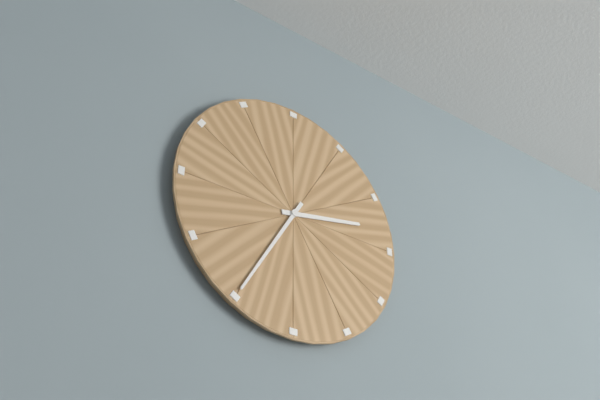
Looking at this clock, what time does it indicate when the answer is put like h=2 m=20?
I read h=2 m=35
